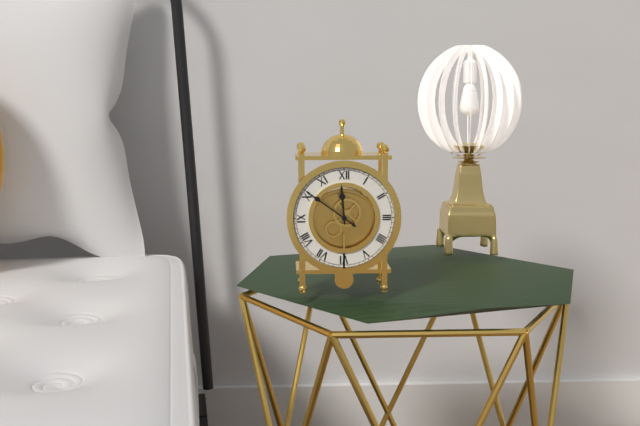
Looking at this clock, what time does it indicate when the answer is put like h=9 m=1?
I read h=11 m=51
